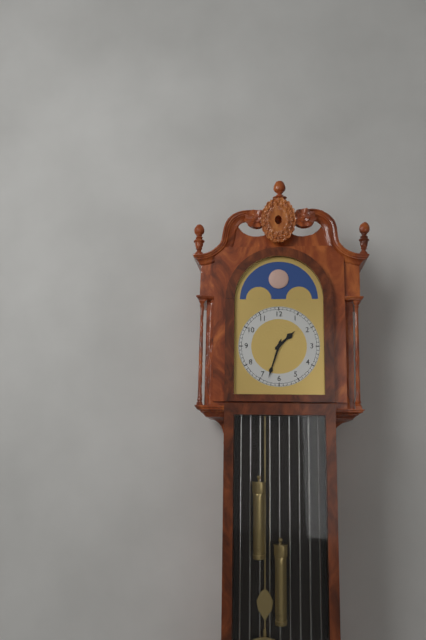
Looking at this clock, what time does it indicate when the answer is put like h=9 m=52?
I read h=1 m=33
